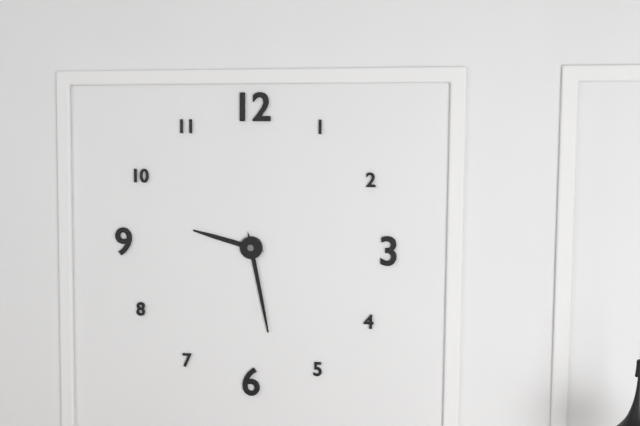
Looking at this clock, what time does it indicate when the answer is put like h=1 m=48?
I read h=9 m=28
